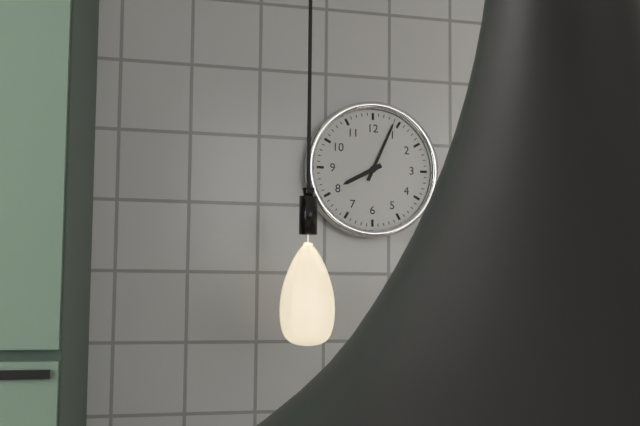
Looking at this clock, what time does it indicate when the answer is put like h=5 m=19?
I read h=8 m=4
